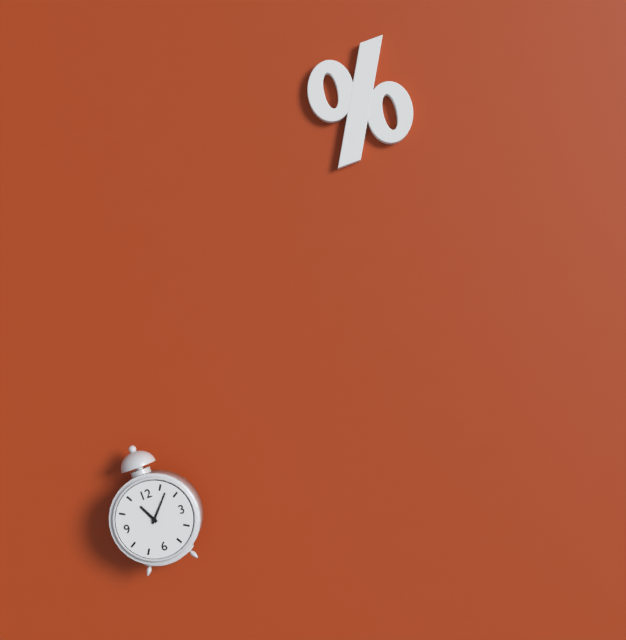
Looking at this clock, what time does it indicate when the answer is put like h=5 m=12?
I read h=11 m=7
